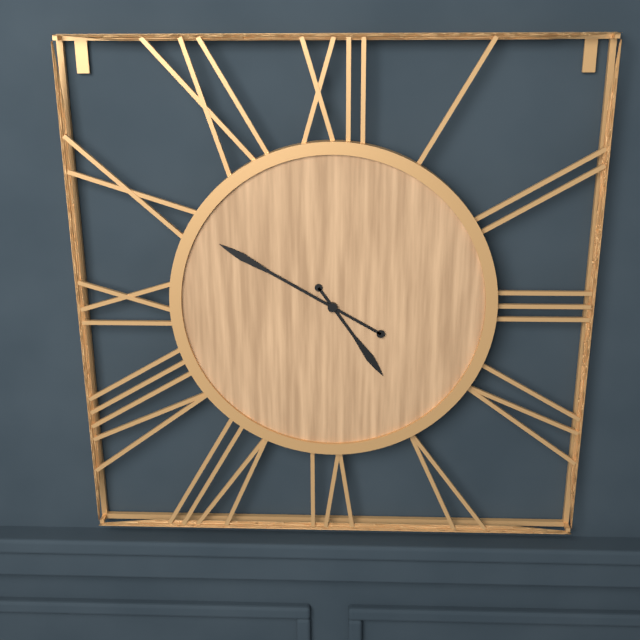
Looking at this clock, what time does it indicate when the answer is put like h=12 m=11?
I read h=4 m=50
